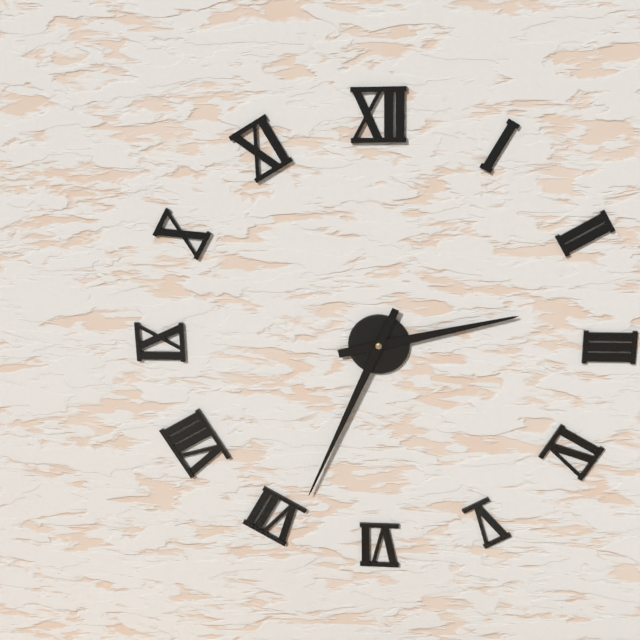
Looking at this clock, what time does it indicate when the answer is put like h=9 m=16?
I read h=2 m=34
